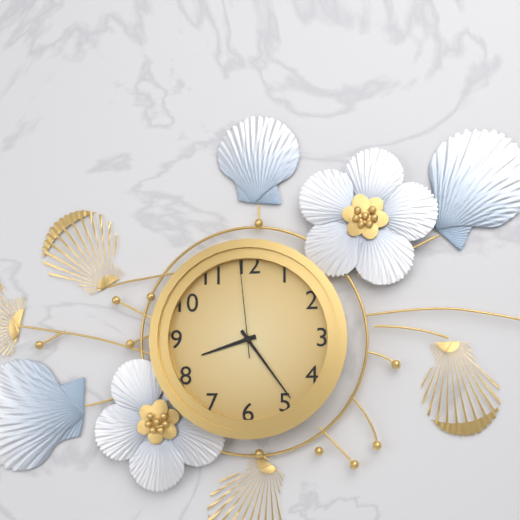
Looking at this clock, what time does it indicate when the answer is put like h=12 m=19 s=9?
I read h=8 m=24 s=59
